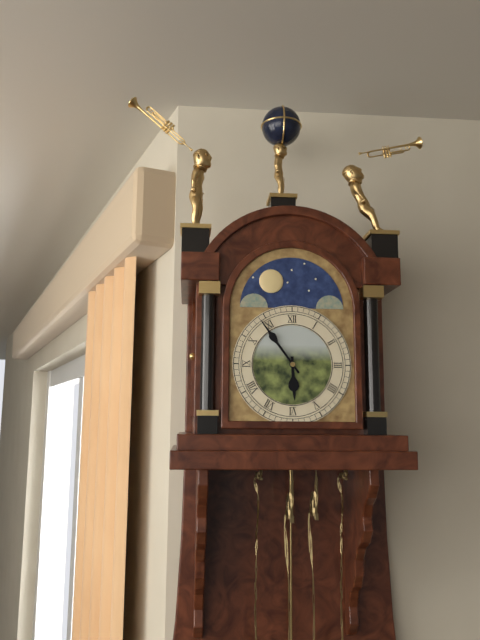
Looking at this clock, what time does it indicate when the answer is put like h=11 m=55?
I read h=5 m=54
